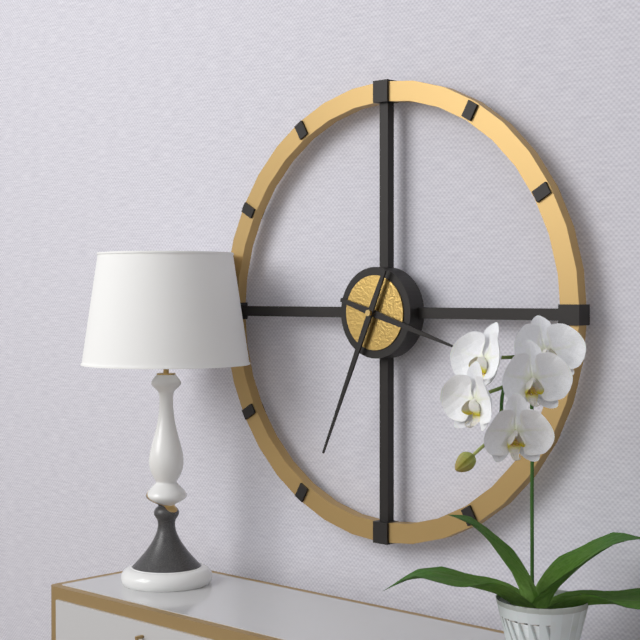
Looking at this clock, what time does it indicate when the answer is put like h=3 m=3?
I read h=3 m=34
